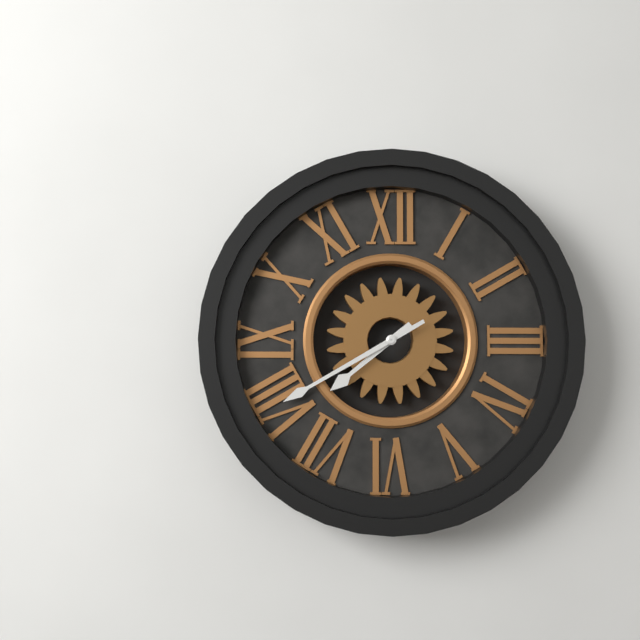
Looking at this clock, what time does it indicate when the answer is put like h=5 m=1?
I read h=7 m=40
